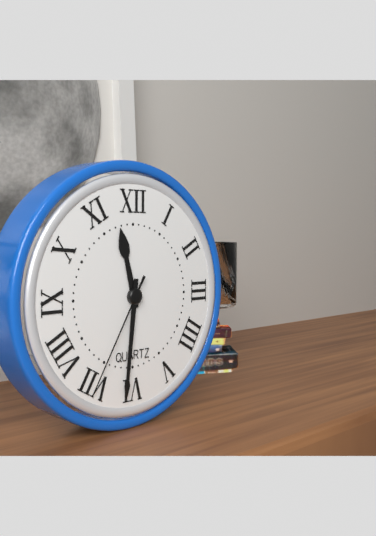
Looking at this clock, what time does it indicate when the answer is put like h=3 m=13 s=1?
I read h=11 m=31 s=35
